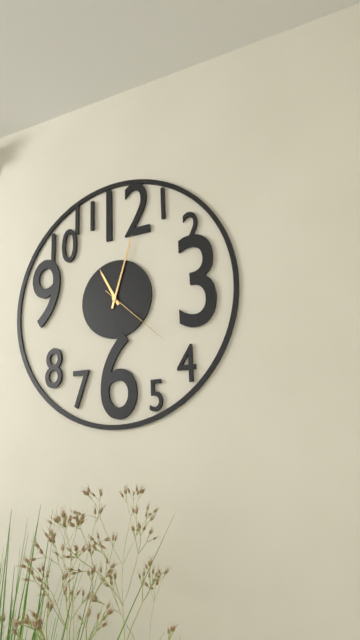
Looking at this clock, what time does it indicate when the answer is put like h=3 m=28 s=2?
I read h=11 m=3 s=22
